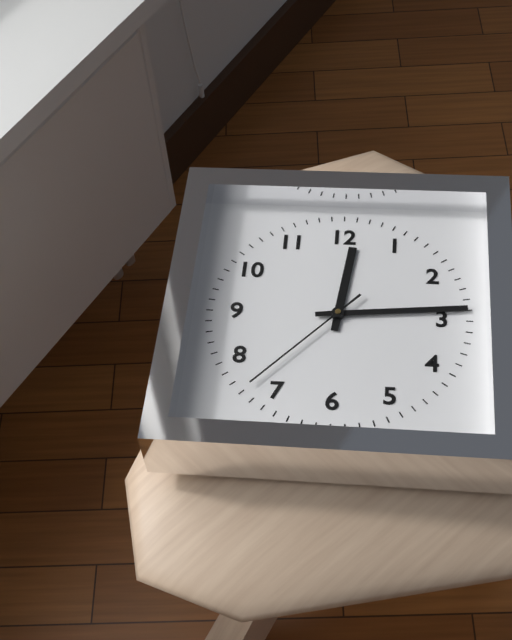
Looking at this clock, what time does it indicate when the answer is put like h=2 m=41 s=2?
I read h=12 m=14 s=37
